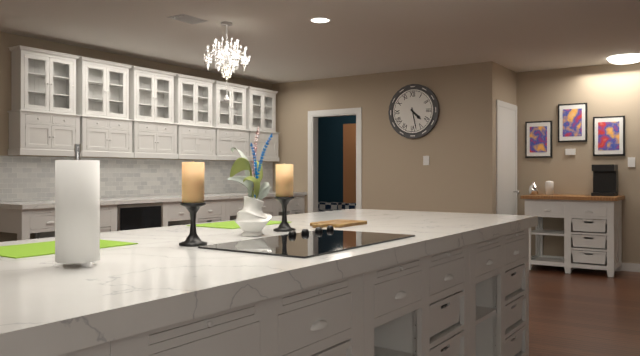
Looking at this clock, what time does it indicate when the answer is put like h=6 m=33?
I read h=4 m=28
